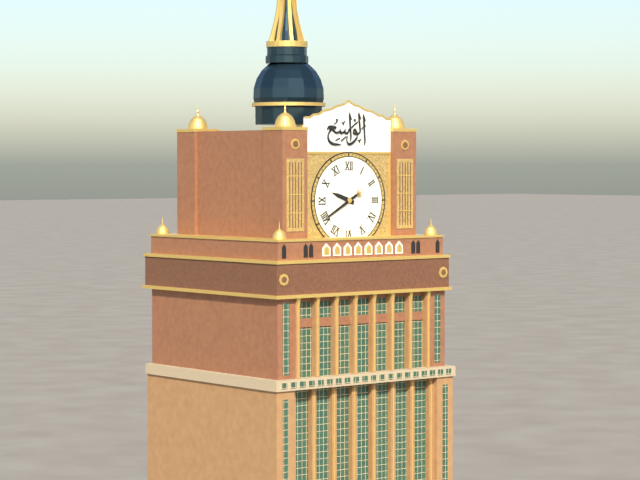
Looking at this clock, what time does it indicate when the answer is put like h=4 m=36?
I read h=9 m=40
